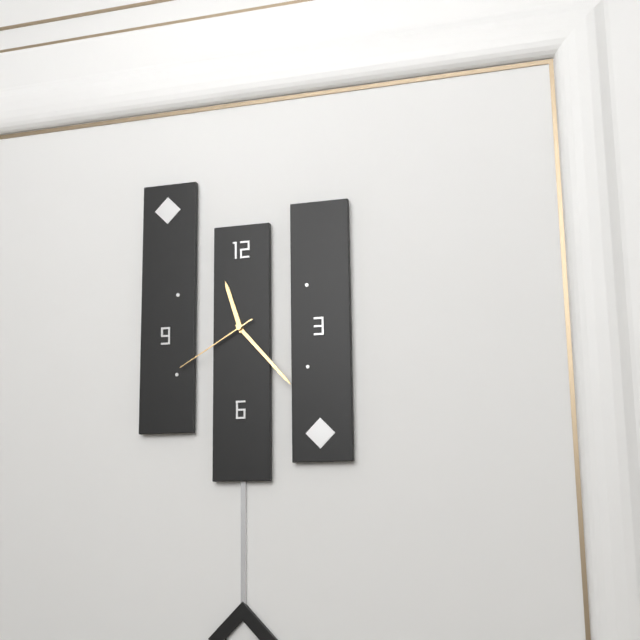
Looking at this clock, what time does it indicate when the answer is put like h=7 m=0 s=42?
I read h=11 m=23 s=40
